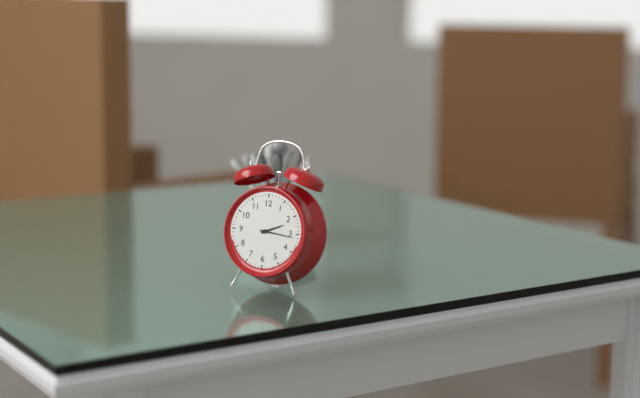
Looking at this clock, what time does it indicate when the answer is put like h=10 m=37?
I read h=2 m=16
